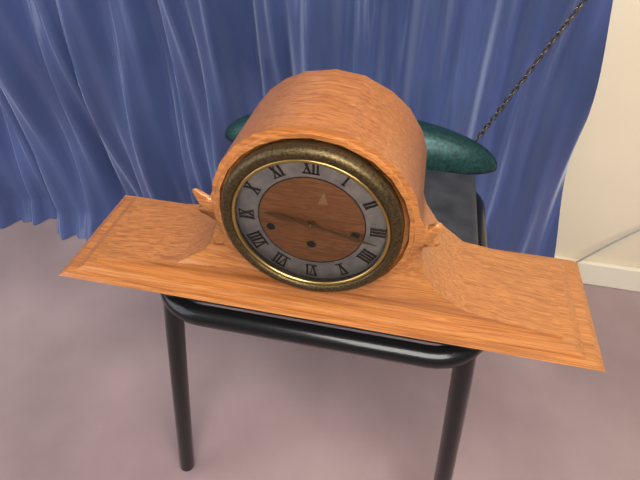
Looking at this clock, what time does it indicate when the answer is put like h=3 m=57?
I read h=9 m=17
